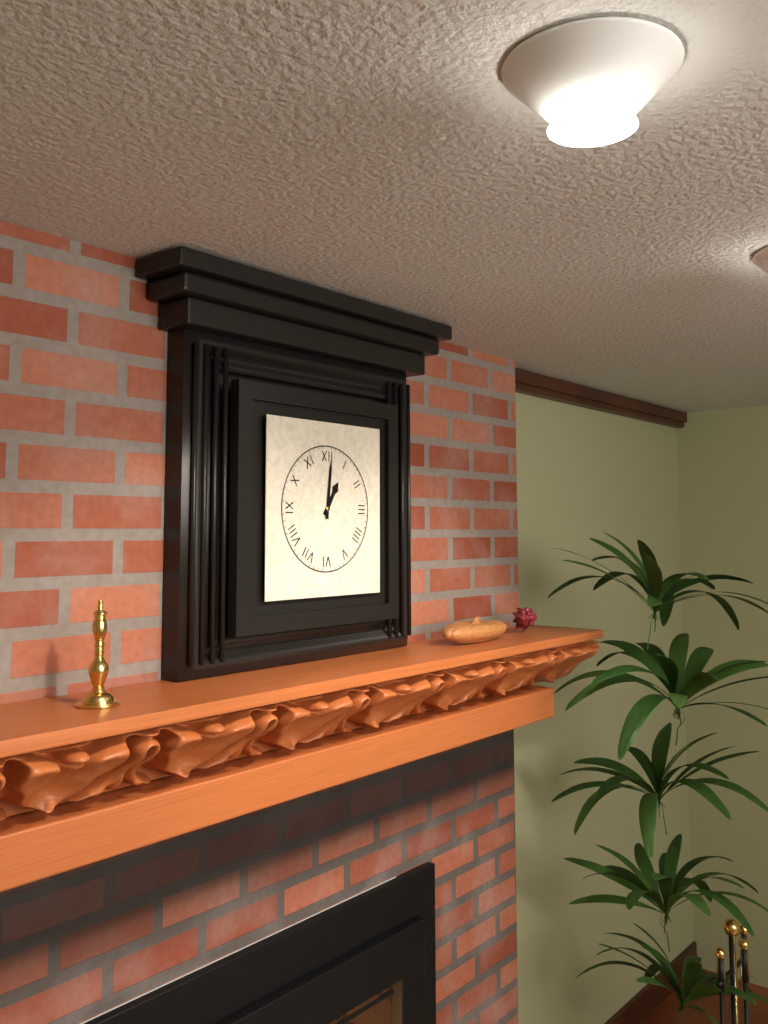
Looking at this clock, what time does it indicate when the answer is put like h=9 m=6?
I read h=1 m=1
